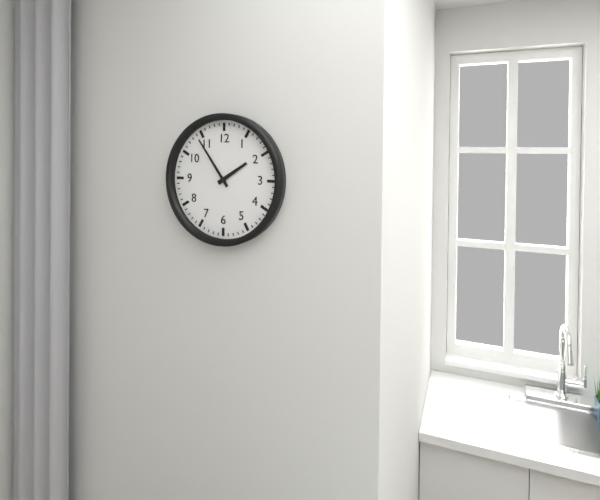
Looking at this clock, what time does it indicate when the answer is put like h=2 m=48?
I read h=1 m=54
